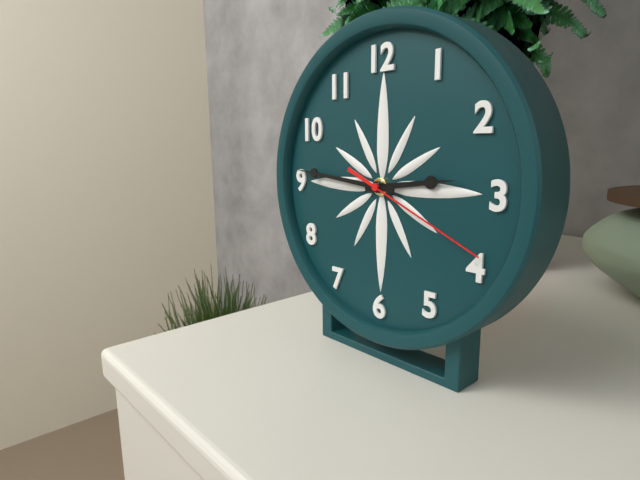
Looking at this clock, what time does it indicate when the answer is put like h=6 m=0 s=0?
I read h=2 m=46 s=19
